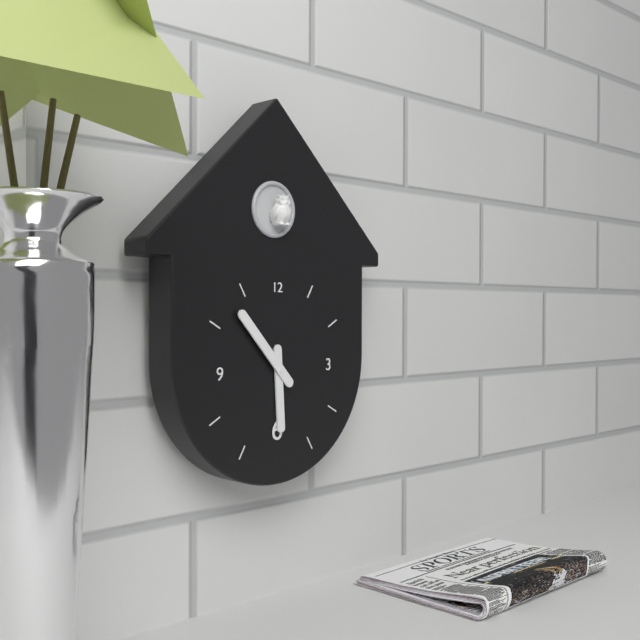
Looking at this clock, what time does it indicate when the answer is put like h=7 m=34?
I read h=5 m=53
